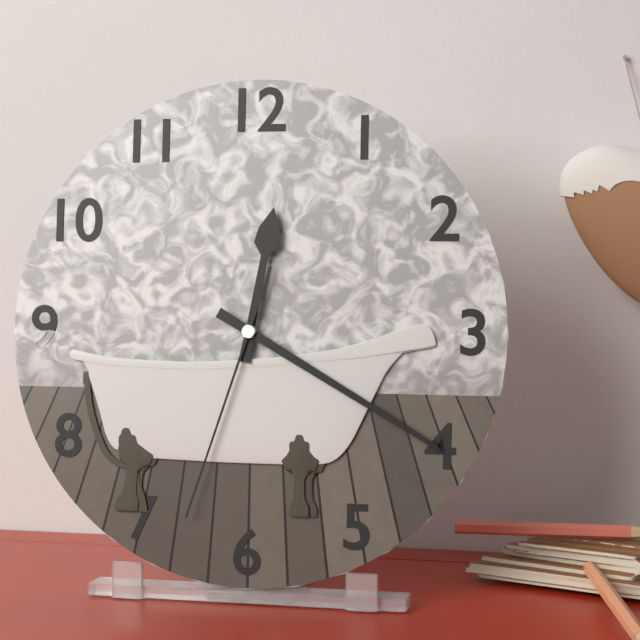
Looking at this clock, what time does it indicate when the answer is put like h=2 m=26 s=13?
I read h=12 m=20 s=33
